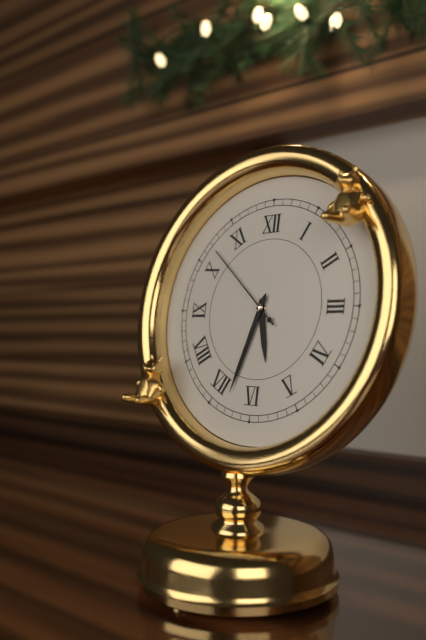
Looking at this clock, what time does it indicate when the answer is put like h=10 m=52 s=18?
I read h=5 m=33 s=52
